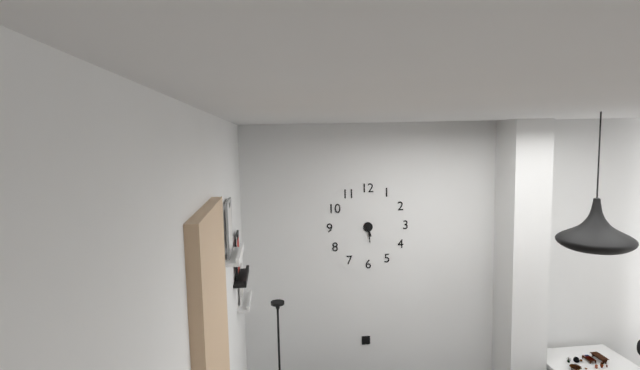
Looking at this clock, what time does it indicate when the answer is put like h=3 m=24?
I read h=5 m=29
